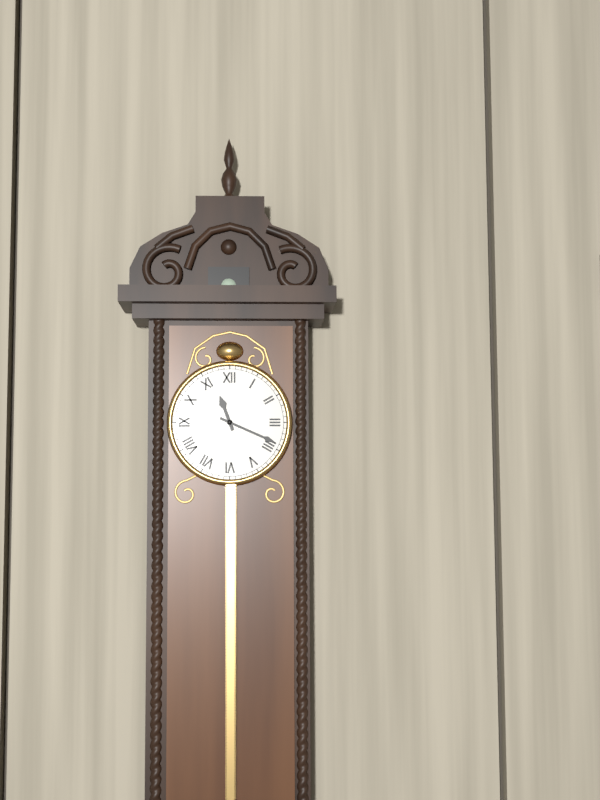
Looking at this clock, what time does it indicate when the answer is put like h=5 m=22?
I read h=11 m=19
